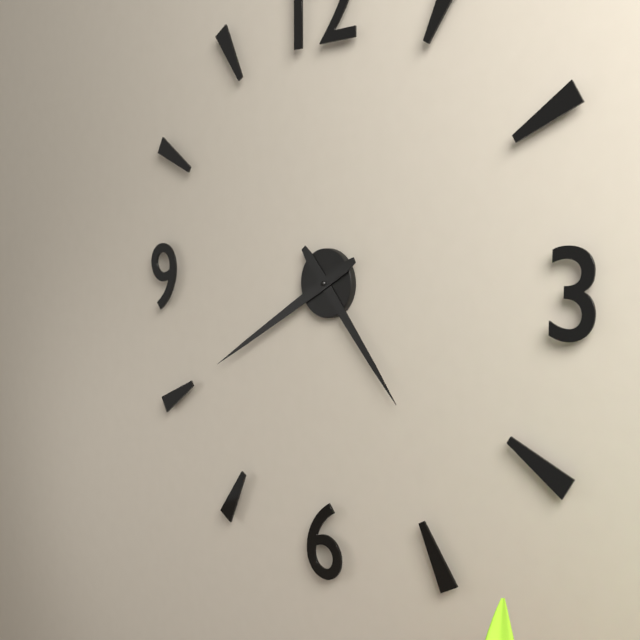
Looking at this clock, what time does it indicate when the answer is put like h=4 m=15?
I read h=4 m=40
